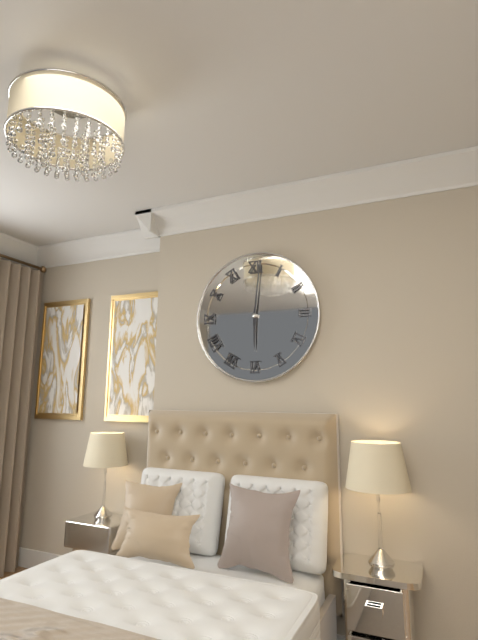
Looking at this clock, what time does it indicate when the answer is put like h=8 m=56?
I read h=6 m=1
